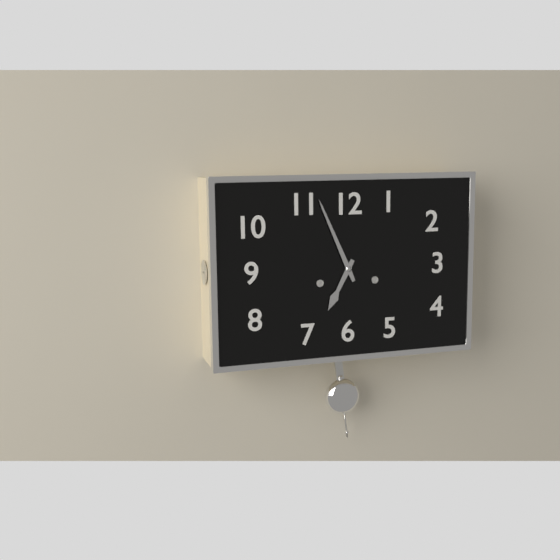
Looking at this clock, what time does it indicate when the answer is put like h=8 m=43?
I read h=6 m=56
